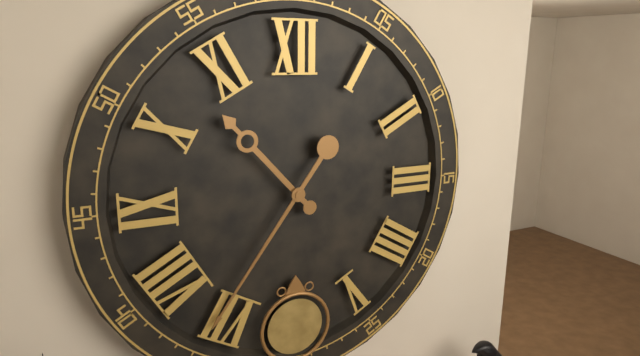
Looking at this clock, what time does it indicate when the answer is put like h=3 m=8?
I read h=10 m=36
